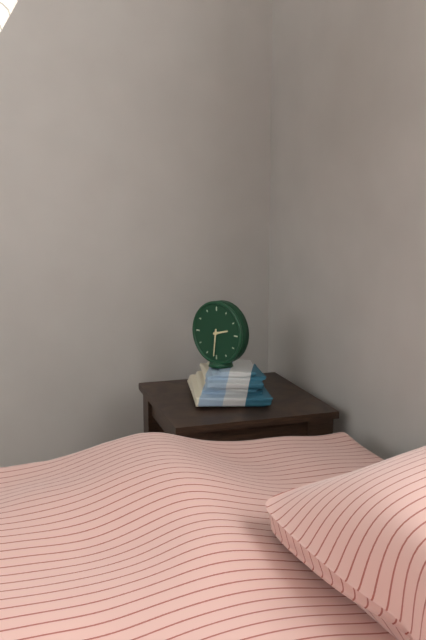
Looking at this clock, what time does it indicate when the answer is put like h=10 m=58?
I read h=2 m=31
